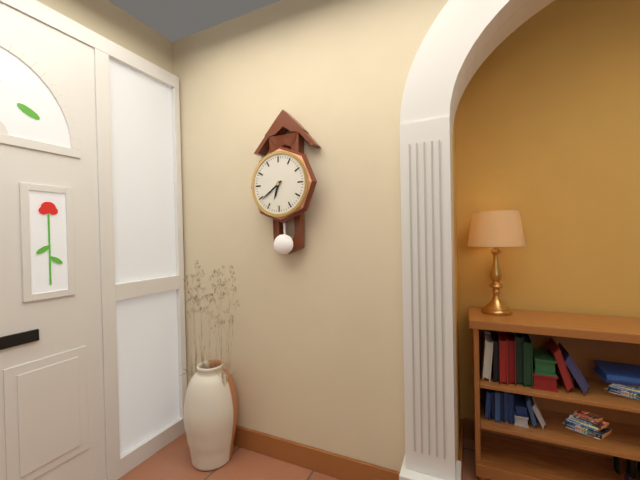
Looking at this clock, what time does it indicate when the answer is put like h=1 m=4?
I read h=6 m=39
